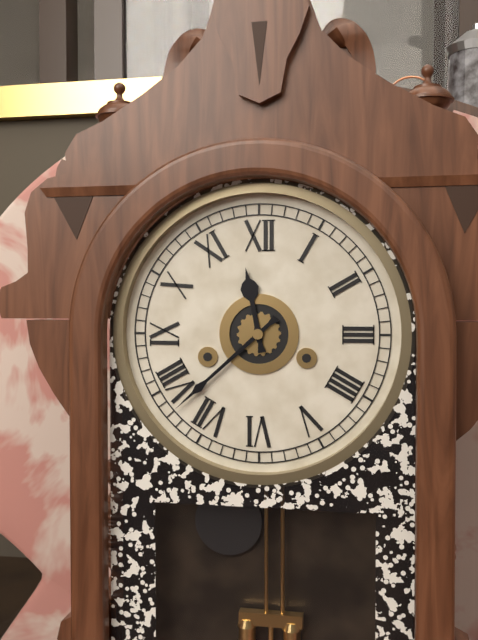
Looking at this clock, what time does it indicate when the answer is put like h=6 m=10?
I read h=11 m=38
